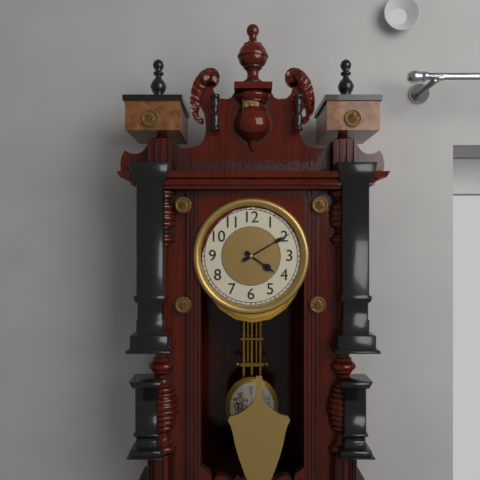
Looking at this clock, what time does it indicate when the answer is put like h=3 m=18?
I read h=4 m=10
